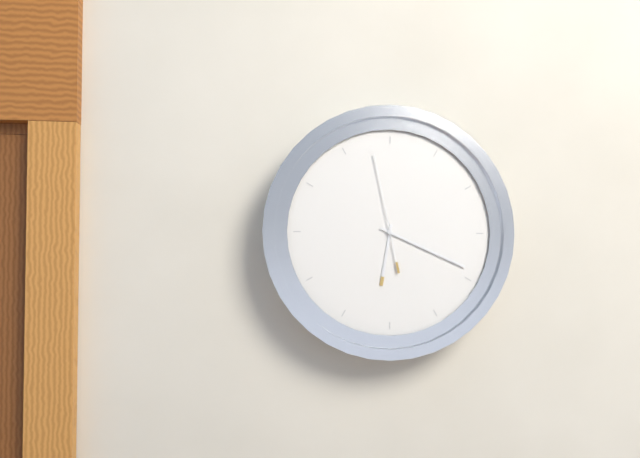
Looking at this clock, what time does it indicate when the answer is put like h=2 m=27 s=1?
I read h=6 m=19 s=58
